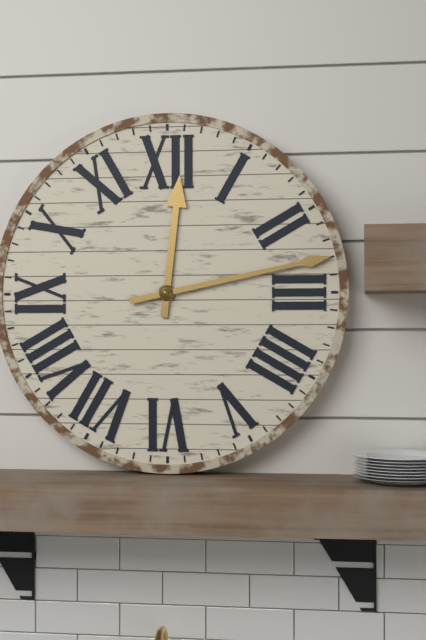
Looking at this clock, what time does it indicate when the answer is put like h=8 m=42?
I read h=12 m=13
